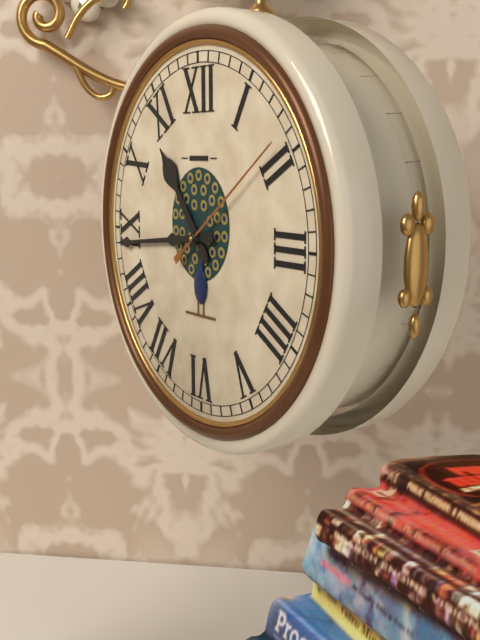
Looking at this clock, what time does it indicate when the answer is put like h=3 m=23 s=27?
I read h=10 m=44 s=9
